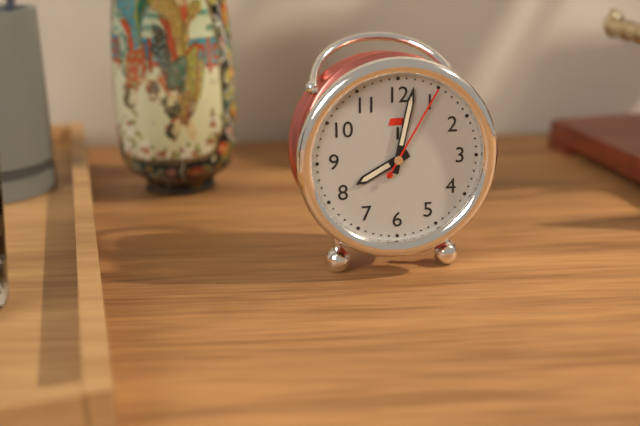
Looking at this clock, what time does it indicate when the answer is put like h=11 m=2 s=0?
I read h=8 m=2 s=5
